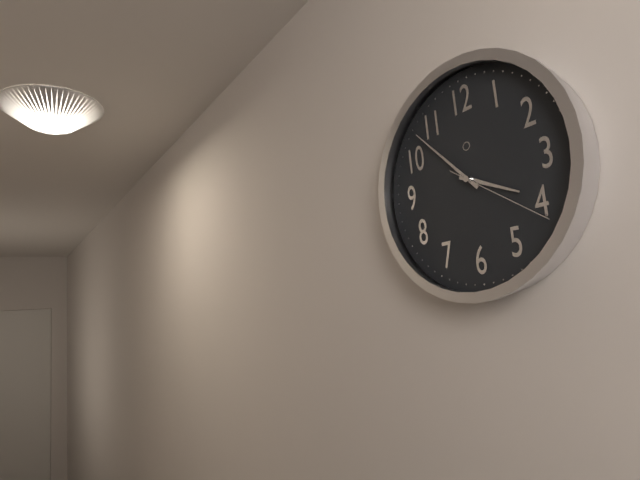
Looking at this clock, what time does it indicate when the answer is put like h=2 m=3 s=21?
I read h=3 m=53 s=21
